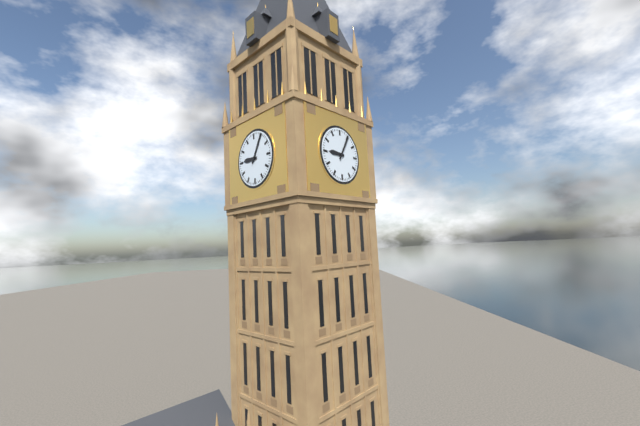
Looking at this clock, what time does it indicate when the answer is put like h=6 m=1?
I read h=9 m=5
